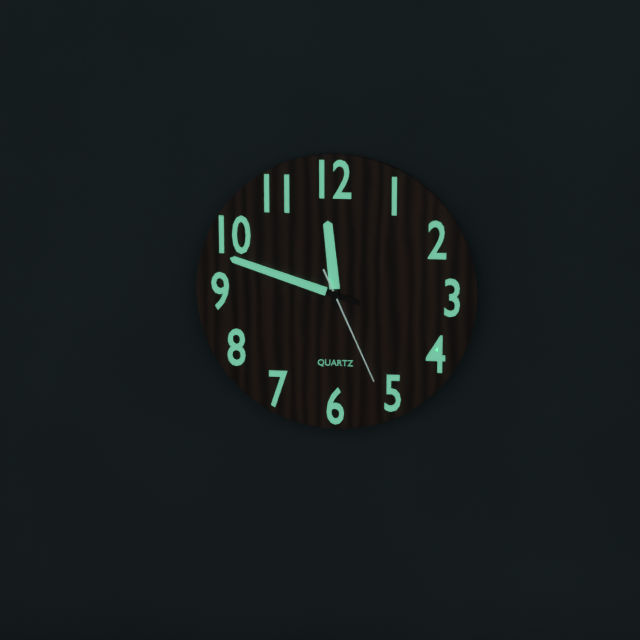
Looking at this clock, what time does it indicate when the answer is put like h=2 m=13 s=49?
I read h=11 m=48 s=26
